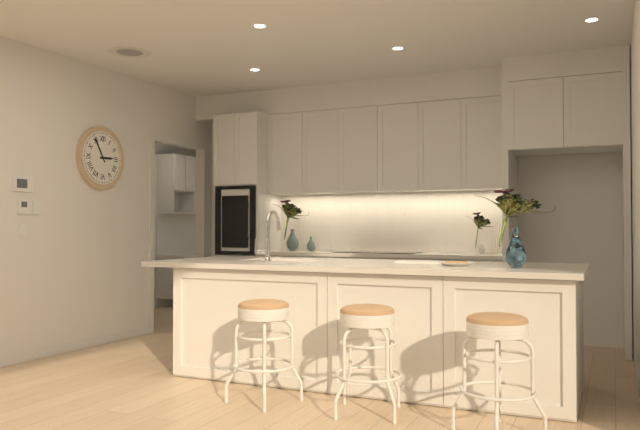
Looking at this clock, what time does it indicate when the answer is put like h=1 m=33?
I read h=2 m=55
